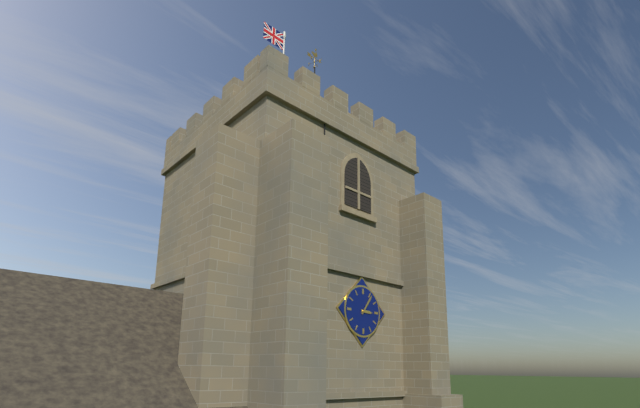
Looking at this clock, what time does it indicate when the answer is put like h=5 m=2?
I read h=3 m=6
